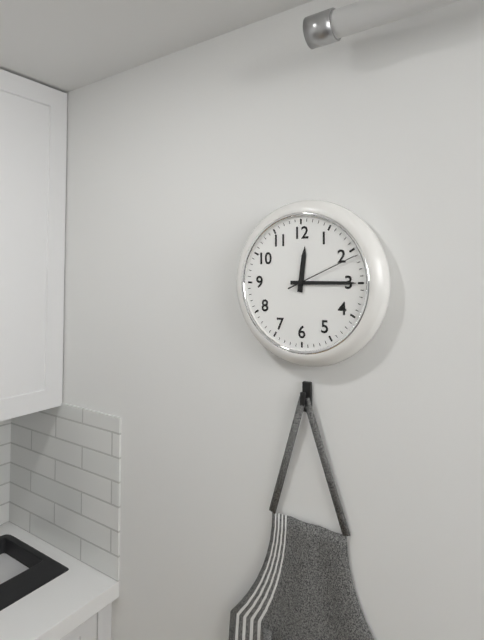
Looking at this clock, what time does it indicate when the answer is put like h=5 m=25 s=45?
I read h=12 m=15 s=11
